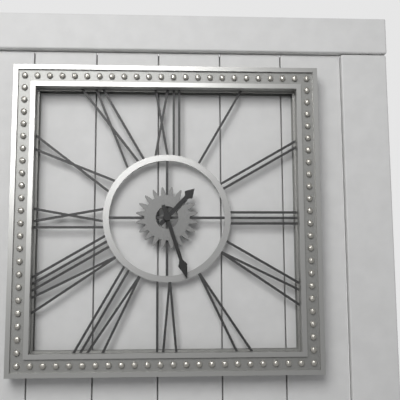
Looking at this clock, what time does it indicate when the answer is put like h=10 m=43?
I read h=1 m=27
